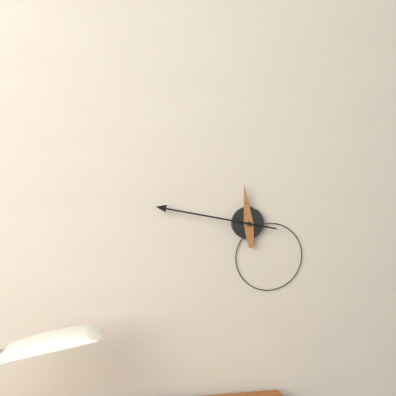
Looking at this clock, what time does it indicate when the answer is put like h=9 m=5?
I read h=11 m=47
